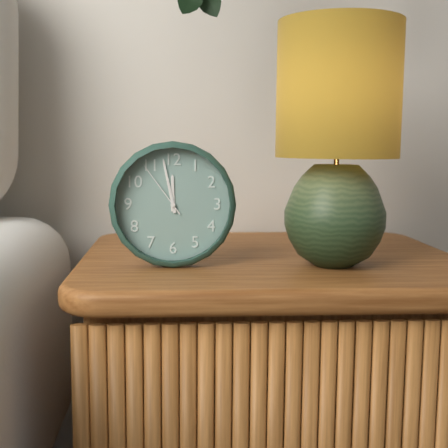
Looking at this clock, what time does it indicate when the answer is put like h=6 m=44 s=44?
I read h=11 m=58 s=54
